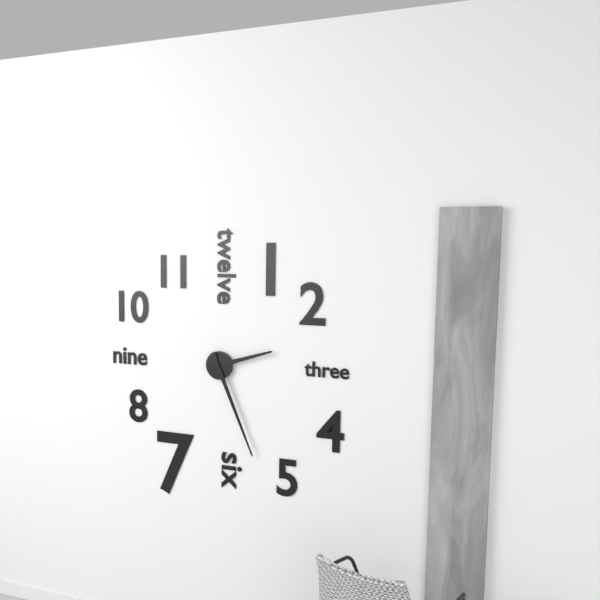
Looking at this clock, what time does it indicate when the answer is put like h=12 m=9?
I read h=2 m=26
